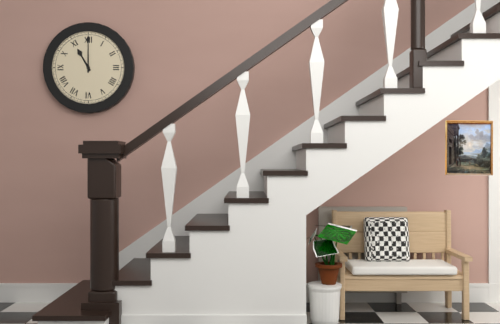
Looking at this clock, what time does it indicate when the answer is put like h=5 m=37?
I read h=11 m=0
